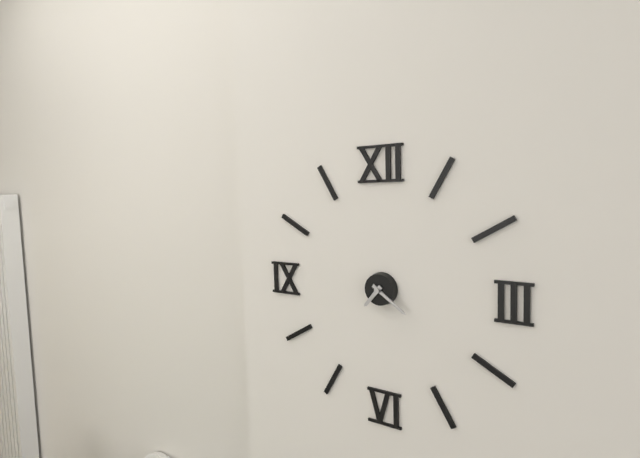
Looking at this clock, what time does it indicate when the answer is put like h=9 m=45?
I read h=7 m=21
